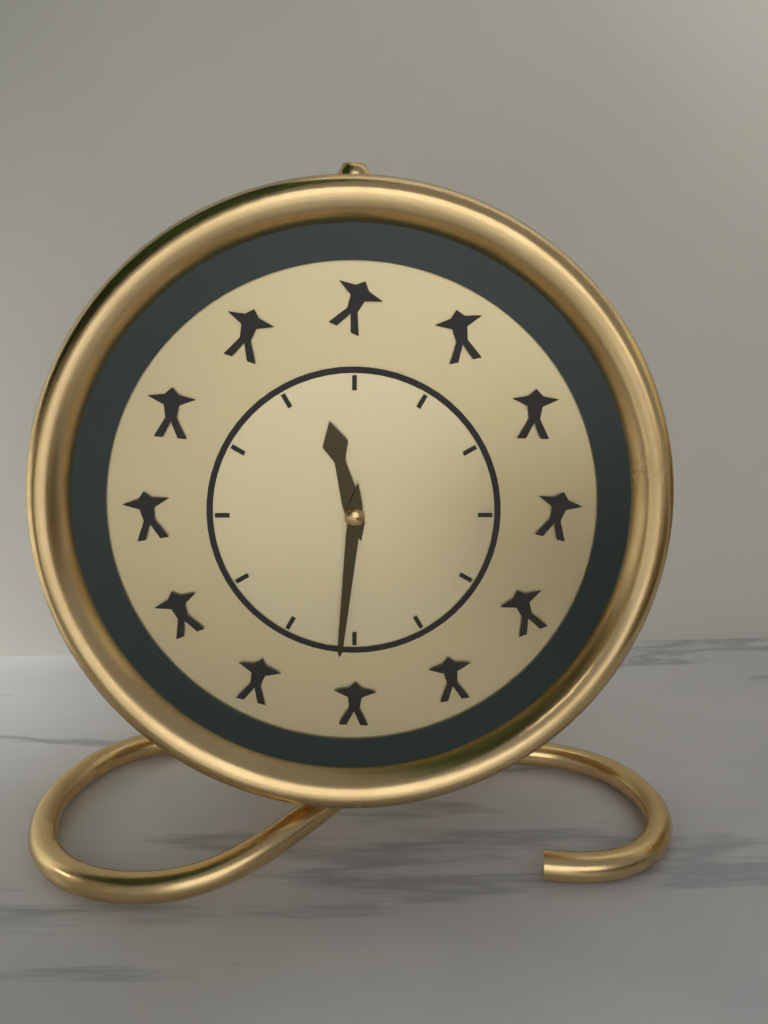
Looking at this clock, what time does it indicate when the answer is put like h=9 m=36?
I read h=11 m=31
